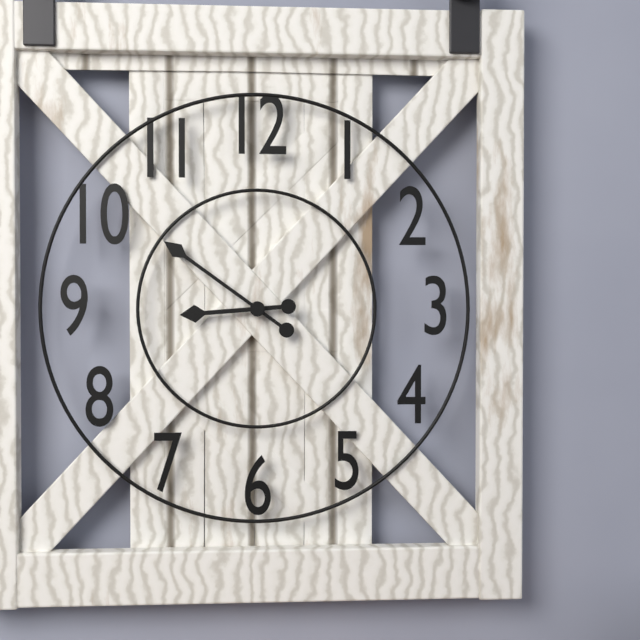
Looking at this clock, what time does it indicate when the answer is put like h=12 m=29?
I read h=8 m=51
